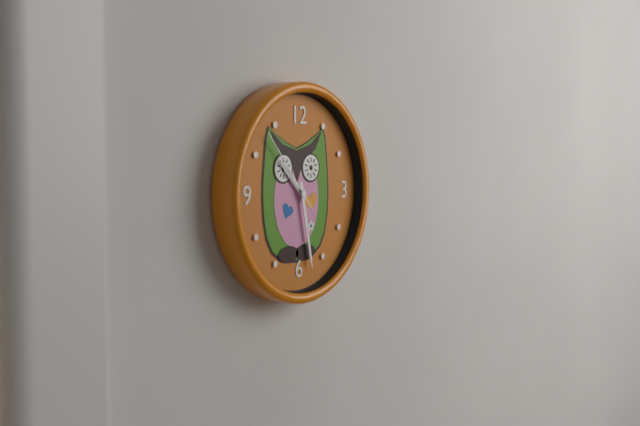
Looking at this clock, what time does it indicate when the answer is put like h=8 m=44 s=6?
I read h=10 m=28 s=53
